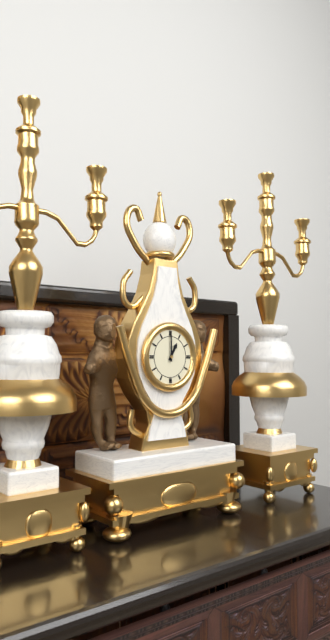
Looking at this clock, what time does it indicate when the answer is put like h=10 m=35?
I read h=1 m=0
